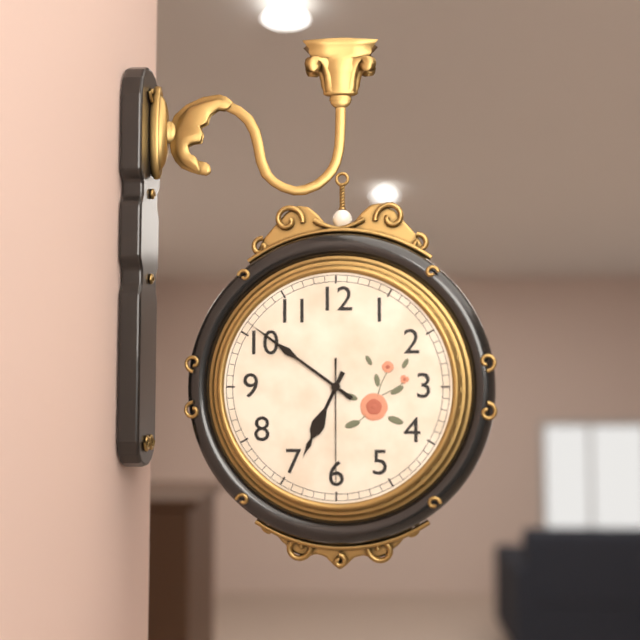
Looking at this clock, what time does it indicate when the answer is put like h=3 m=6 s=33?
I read h=6 m=51 s=30
